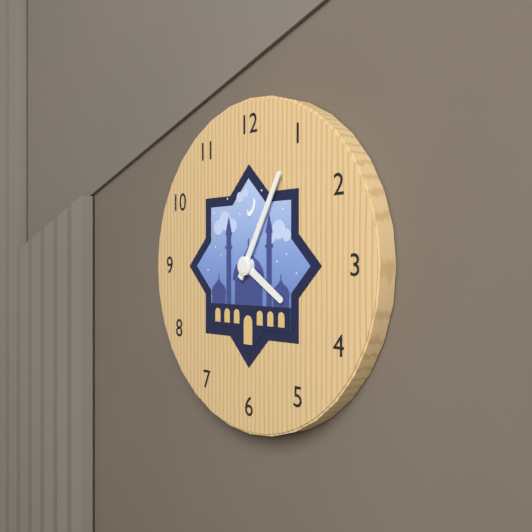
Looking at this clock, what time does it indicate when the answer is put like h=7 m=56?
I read h=4 m=5
